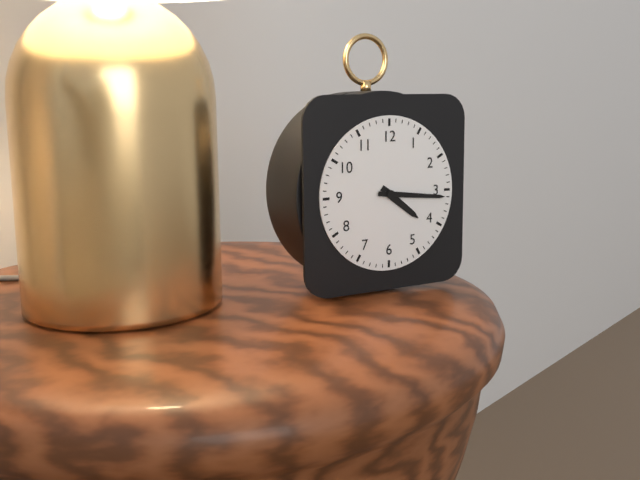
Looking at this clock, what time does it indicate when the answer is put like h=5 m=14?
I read h=4 m=16
